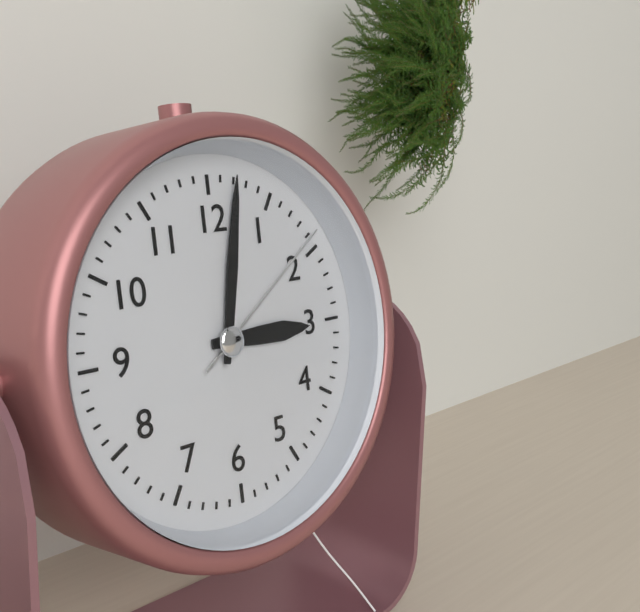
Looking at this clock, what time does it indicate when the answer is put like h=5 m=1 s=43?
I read h=3 m=2 s=9
